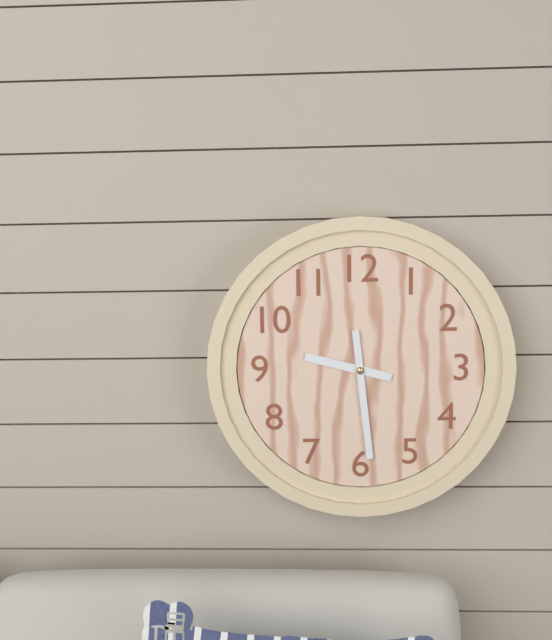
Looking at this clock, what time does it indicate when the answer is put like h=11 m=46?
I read h=9 m=29
